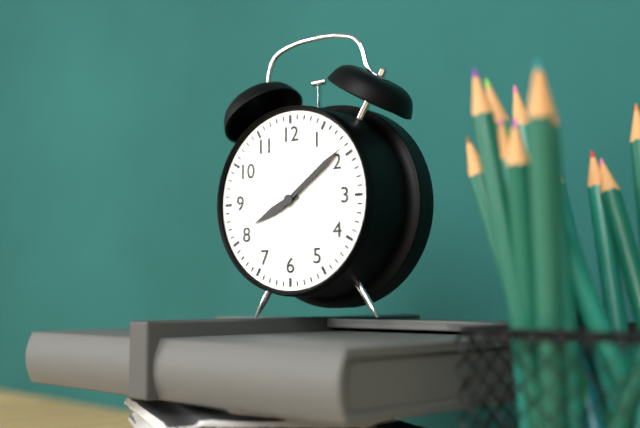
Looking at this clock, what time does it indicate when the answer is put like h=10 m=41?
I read h=8 m=9
